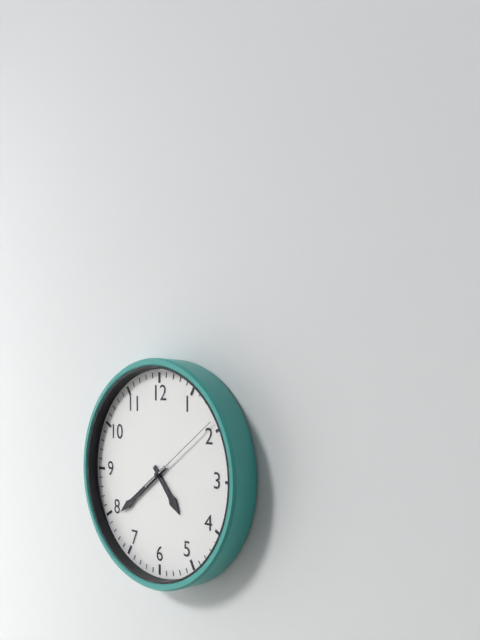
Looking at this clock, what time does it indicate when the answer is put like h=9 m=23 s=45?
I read h=4 m=39 s=9
